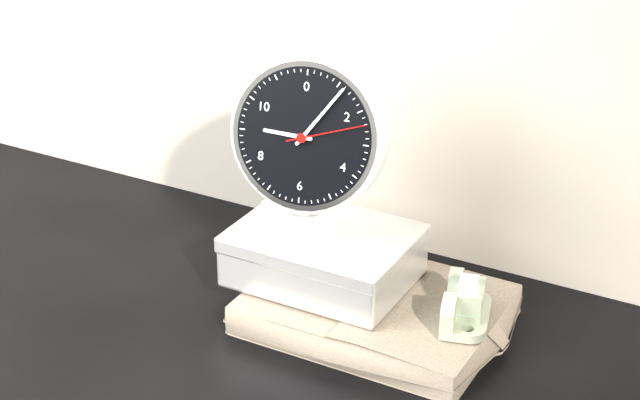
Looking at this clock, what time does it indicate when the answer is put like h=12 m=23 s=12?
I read h=9 m=6 s=12
